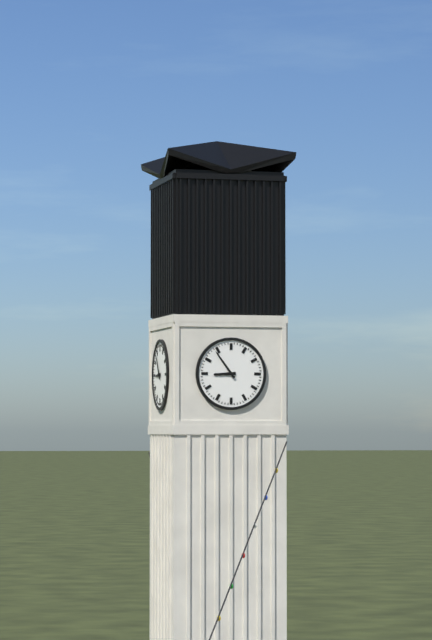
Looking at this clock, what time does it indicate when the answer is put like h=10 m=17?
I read h=8 m=54
